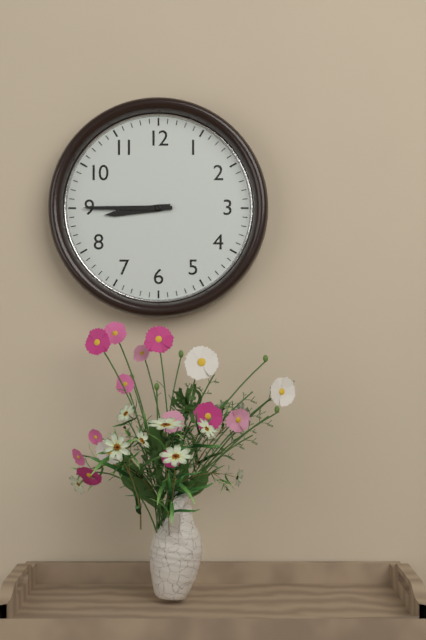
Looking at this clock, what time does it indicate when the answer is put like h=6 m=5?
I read h=8 m=45
